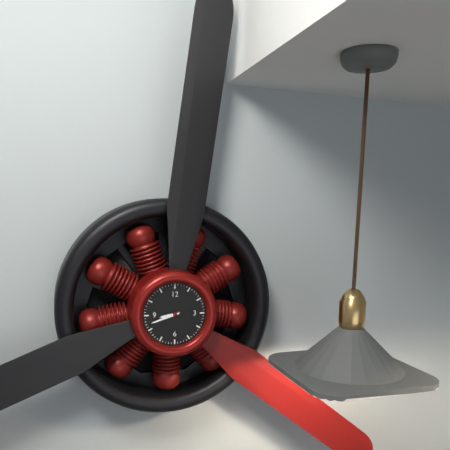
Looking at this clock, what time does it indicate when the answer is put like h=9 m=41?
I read h=8 m=42
